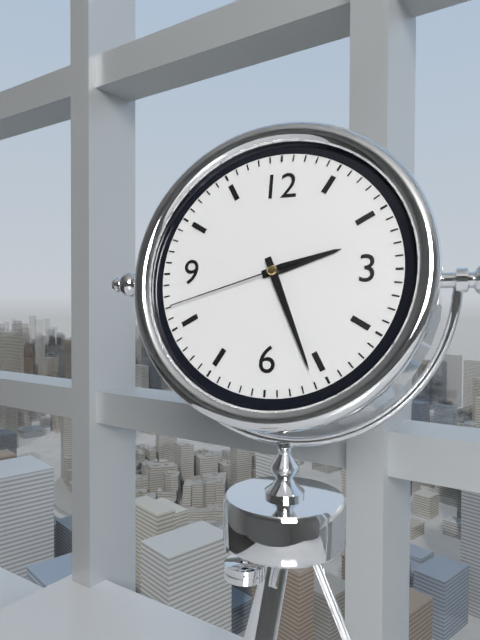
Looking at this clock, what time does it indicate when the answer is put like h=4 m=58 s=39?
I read h=2 m=26 s=42
